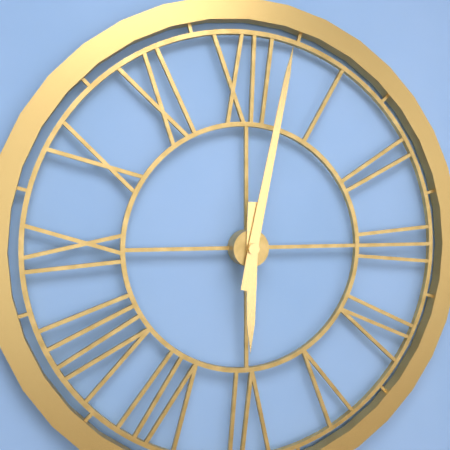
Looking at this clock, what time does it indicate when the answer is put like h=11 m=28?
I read h=6 m=2
